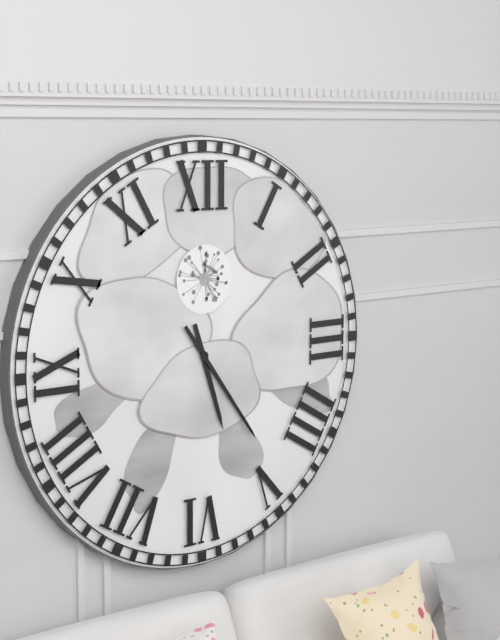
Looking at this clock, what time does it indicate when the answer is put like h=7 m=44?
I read h=5 m=24
